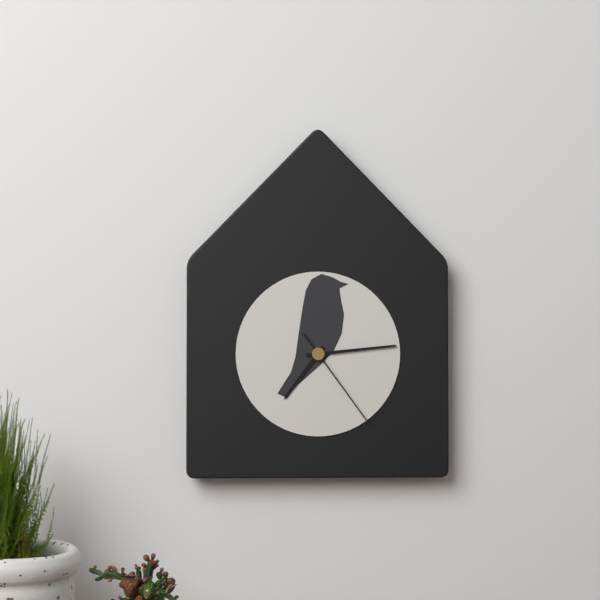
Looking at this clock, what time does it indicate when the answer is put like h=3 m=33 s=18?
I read h=7 m=14 s=24
